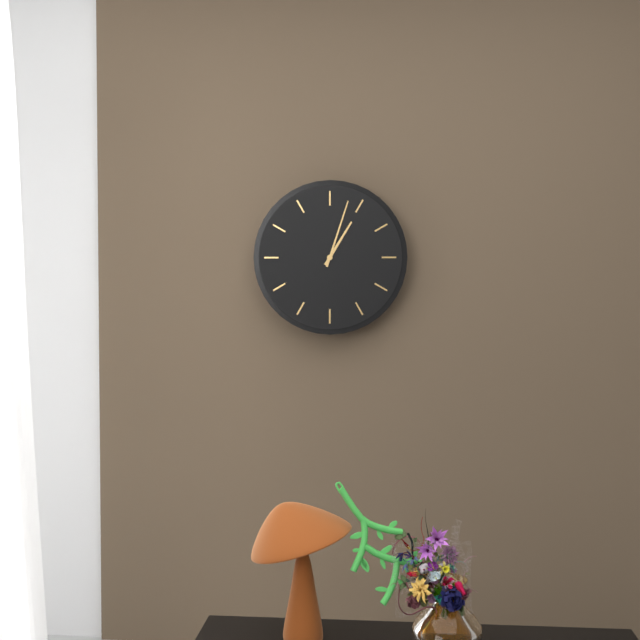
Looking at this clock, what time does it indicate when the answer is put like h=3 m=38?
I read h=1 m=3
